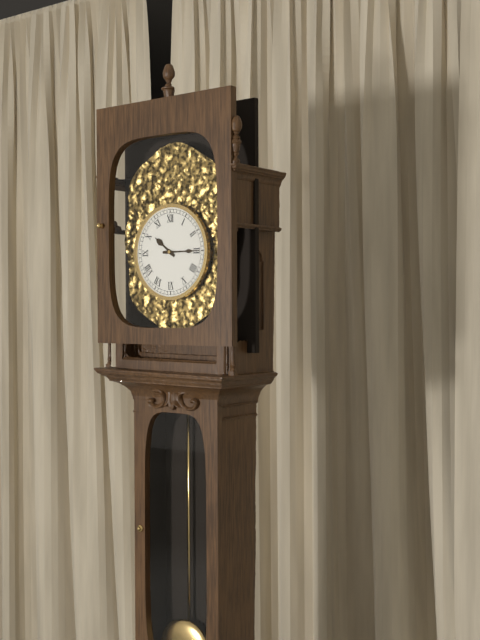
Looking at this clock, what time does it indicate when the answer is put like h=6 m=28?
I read h=10 m=15
